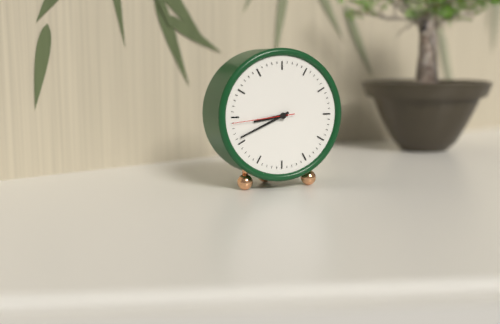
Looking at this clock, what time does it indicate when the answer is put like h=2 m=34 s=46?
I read h=8 m=41 s=44
